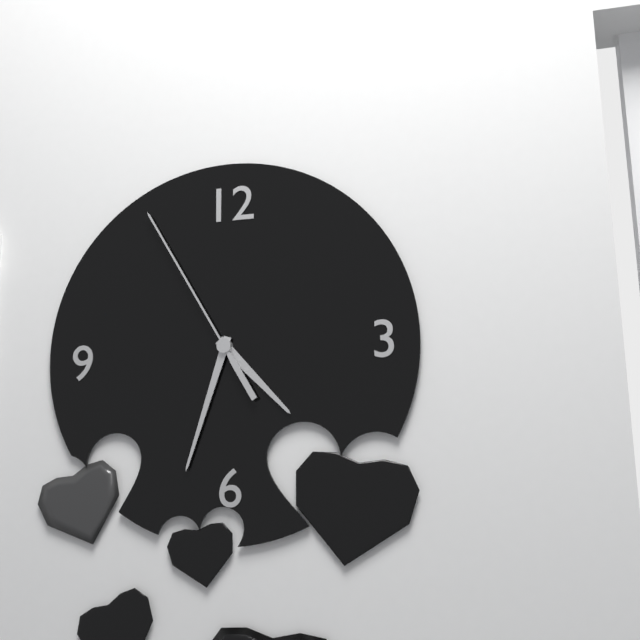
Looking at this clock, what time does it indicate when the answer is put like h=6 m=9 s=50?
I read h=4 m=33 s=55
